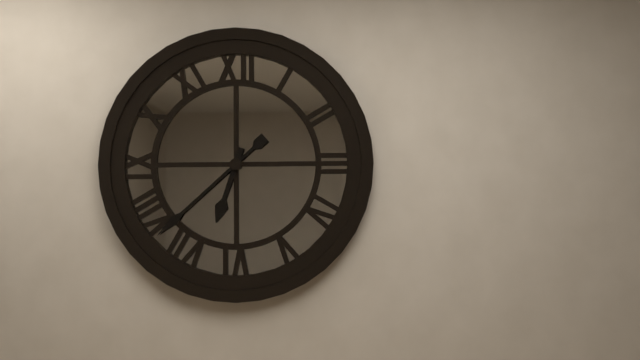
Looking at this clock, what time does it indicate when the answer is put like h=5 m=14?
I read h=6 m=38
